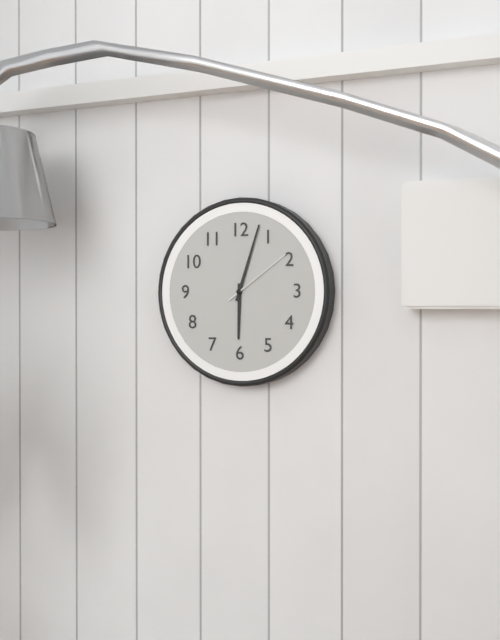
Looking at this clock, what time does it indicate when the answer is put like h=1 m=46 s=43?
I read h=6 m=3 s=9
